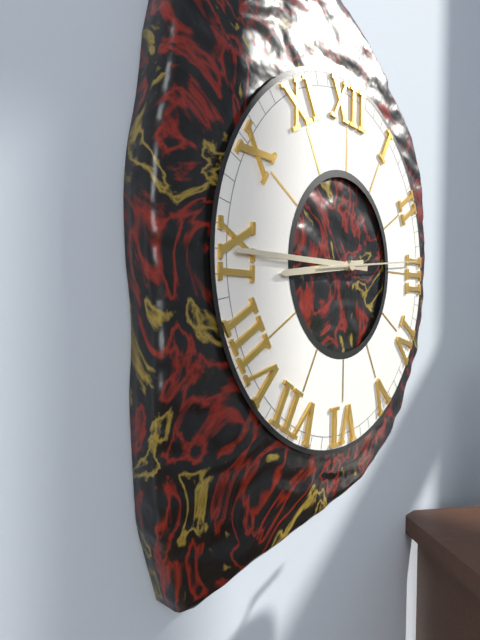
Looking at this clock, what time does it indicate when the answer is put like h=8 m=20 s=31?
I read h=8 m=45 s=14
